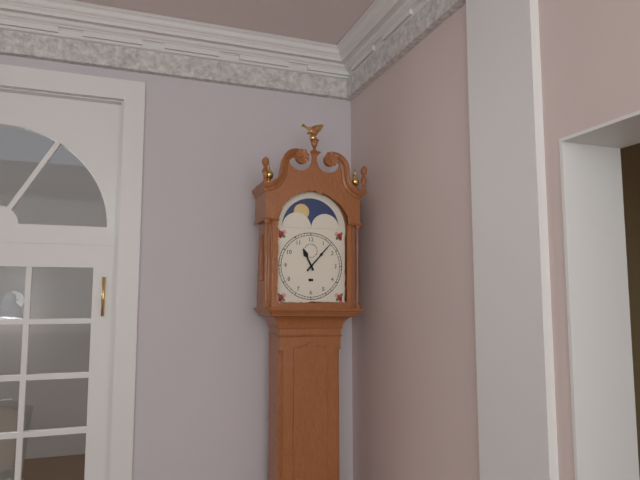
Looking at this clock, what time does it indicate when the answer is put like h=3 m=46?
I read h=11 m=7
